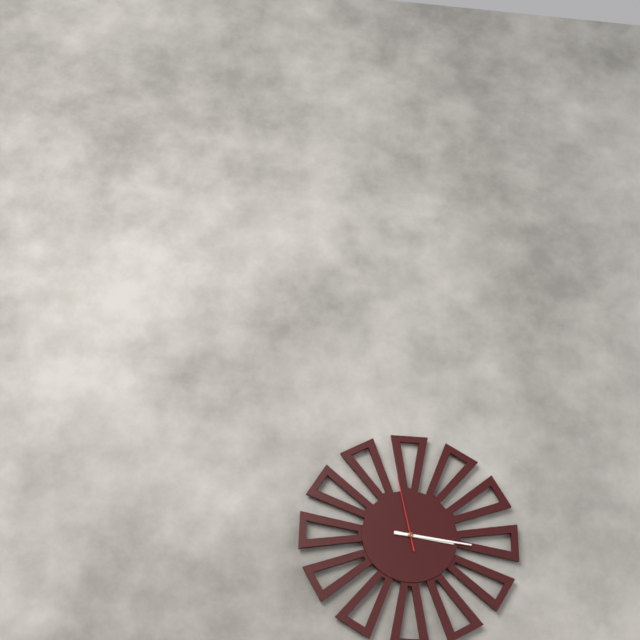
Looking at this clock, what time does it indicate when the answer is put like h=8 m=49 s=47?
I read h=3 m=16 s=58
